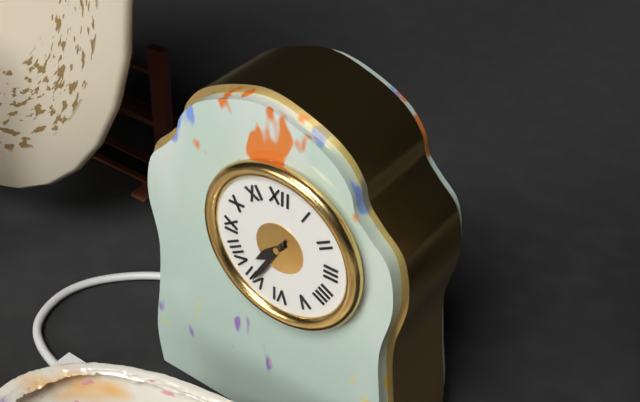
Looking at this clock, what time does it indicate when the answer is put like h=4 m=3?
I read h=7 m=35
